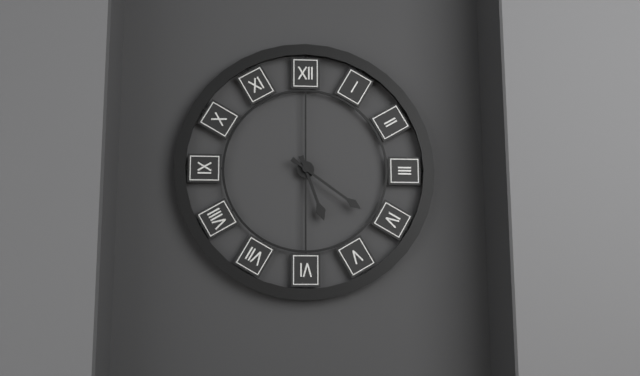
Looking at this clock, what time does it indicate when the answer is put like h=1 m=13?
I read h=5 m=21
